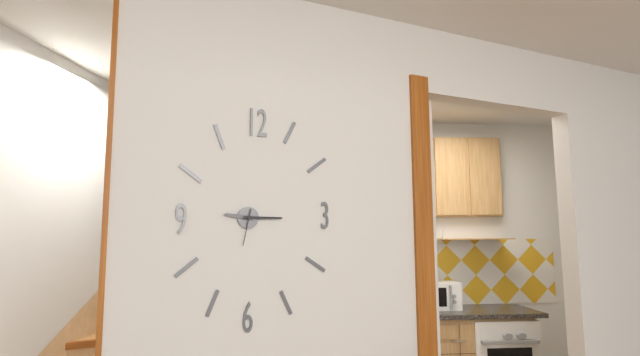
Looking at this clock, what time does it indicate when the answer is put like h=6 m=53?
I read h=9 m=15
